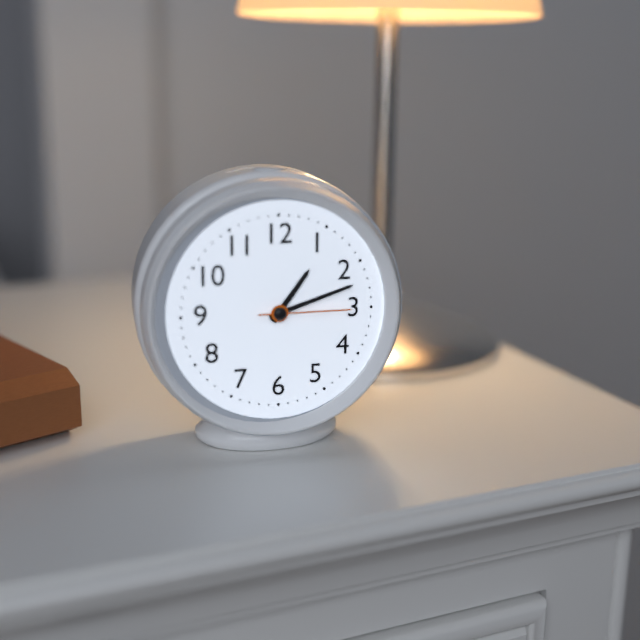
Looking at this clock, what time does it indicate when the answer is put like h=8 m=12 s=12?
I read h=1 m=12 s=15
